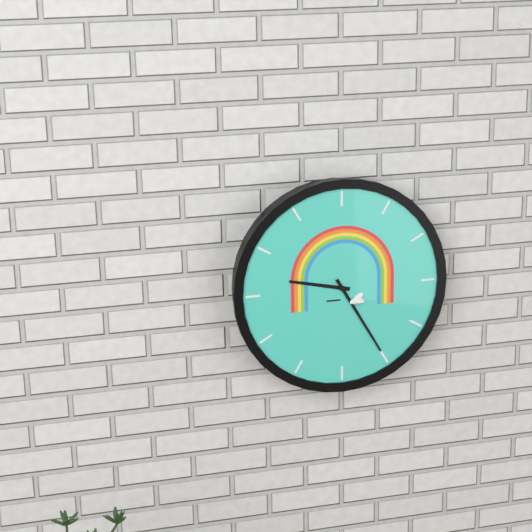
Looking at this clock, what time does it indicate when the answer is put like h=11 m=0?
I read h=9 m=25
